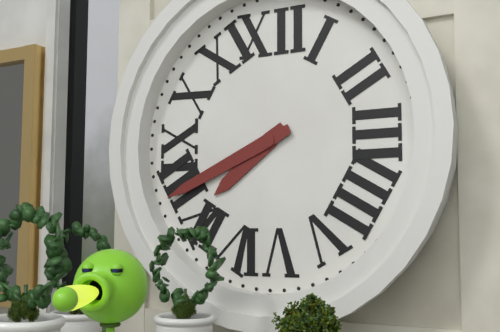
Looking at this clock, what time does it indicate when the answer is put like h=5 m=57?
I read h=7 m=41
